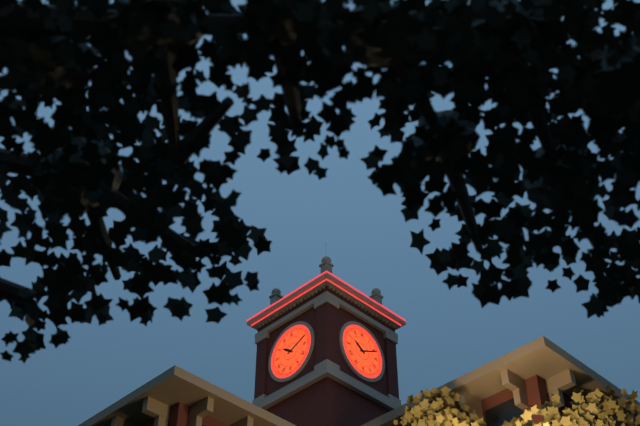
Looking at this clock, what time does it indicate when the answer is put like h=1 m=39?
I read h=10 m=11
